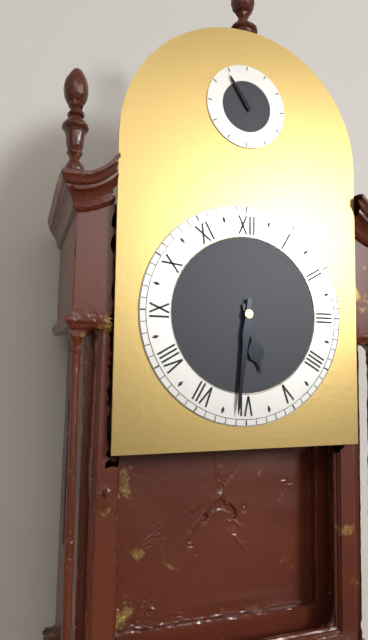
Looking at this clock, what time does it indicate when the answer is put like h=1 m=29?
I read h=5 m=31
